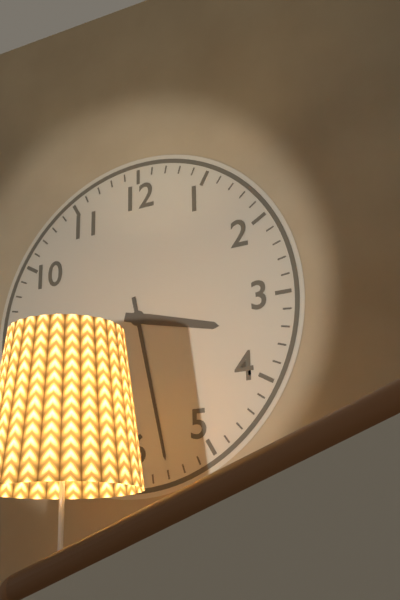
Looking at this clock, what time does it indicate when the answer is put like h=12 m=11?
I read h=3 m=28
